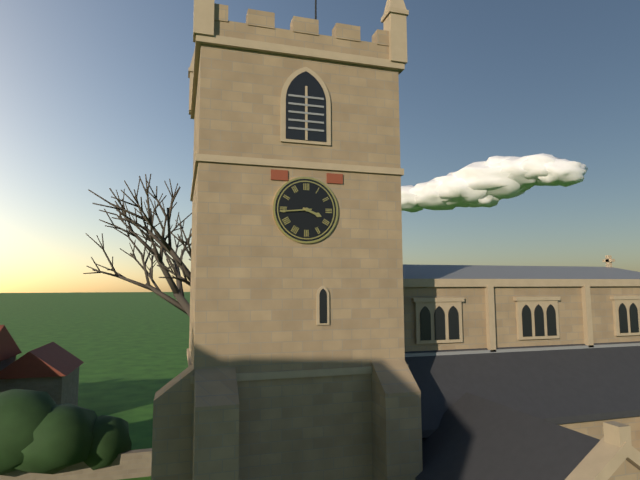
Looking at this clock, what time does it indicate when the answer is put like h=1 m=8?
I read h=3 m=44
